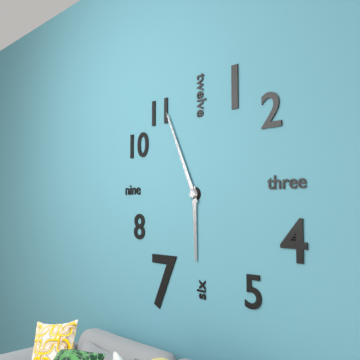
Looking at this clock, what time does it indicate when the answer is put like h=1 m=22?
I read h=5 m=56
